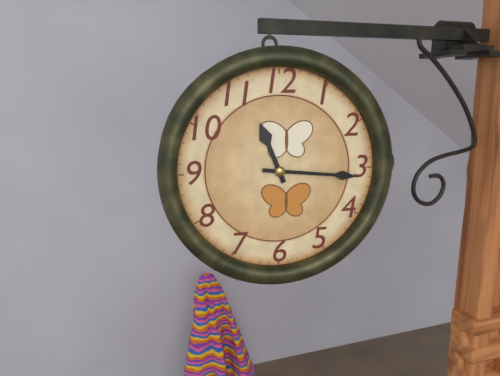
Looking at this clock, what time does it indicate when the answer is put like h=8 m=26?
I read h=11 m=16
